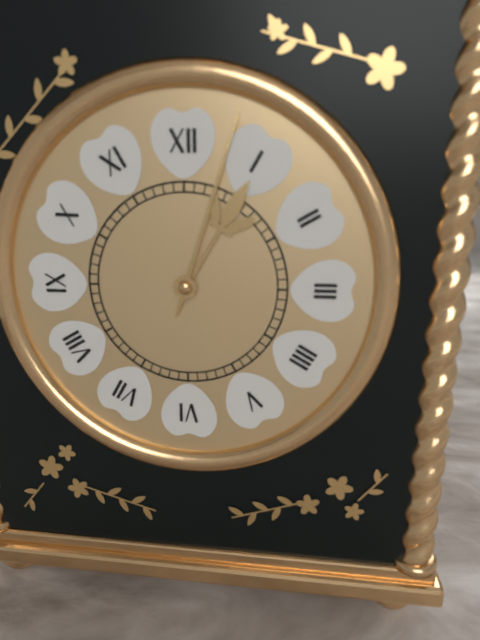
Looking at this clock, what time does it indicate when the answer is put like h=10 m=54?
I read h=1 m=3
